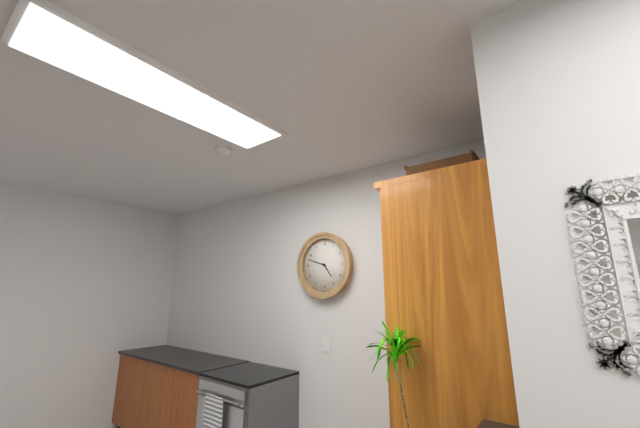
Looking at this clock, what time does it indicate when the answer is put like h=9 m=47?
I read h=4 m=48
